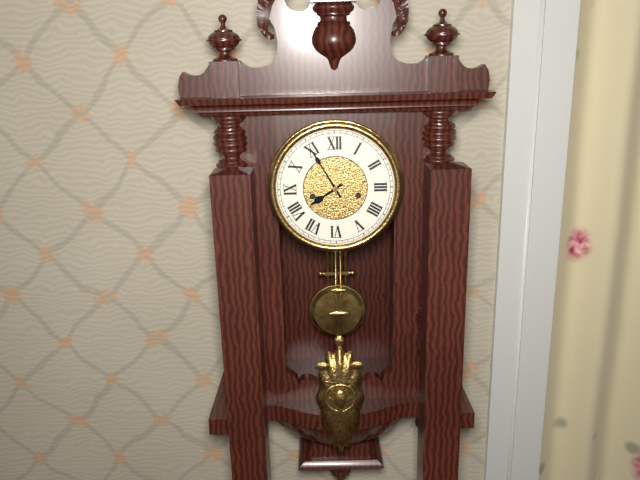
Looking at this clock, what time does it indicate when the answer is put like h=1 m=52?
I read h=7 m=55
